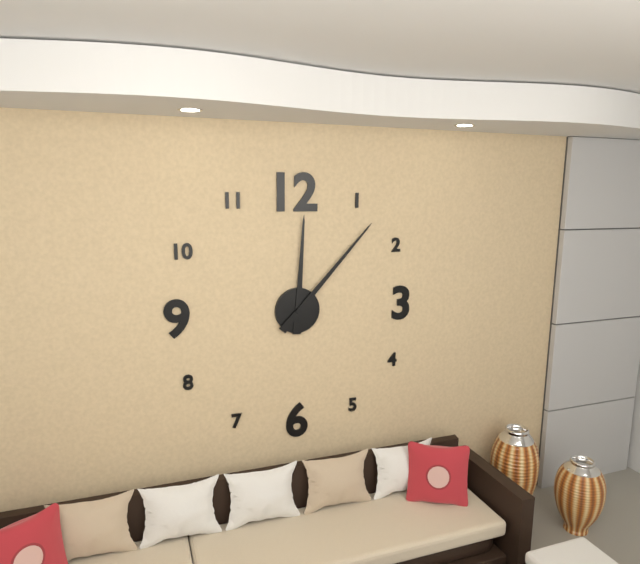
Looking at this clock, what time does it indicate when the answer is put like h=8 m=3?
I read h=12 m=7
